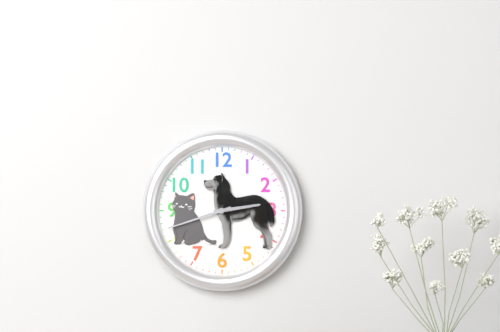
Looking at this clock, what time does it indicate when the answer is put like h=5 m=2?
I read h=2 m=42
